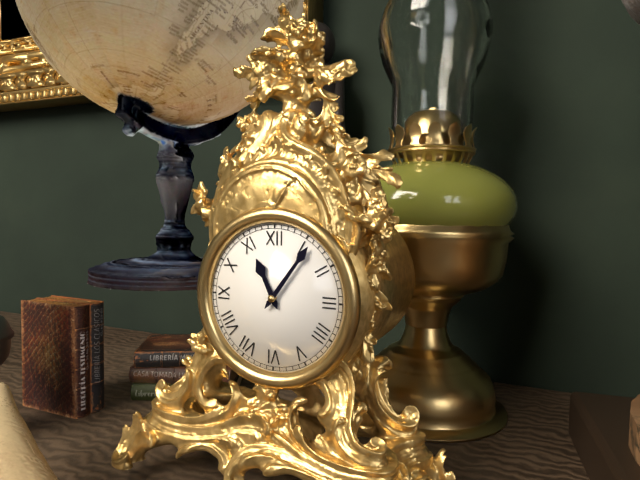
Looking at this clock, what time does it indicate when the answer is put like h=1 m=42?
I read h=11 m=6
